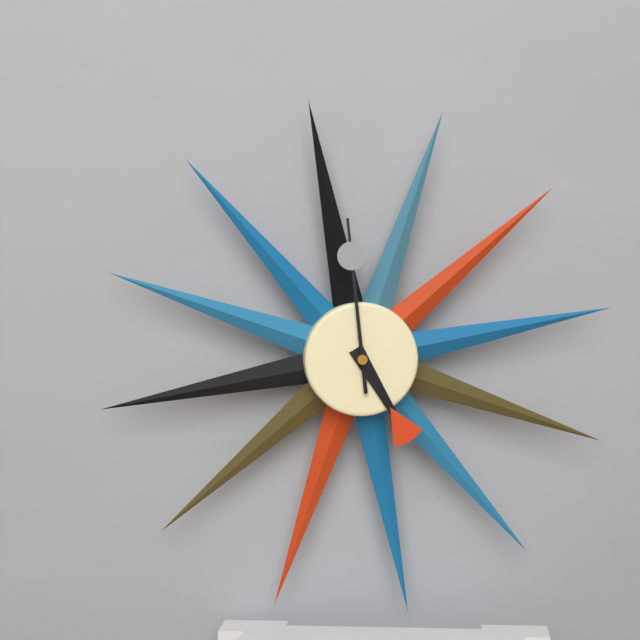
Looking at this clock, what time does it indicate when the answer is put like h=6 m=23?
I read h=4 m=59
